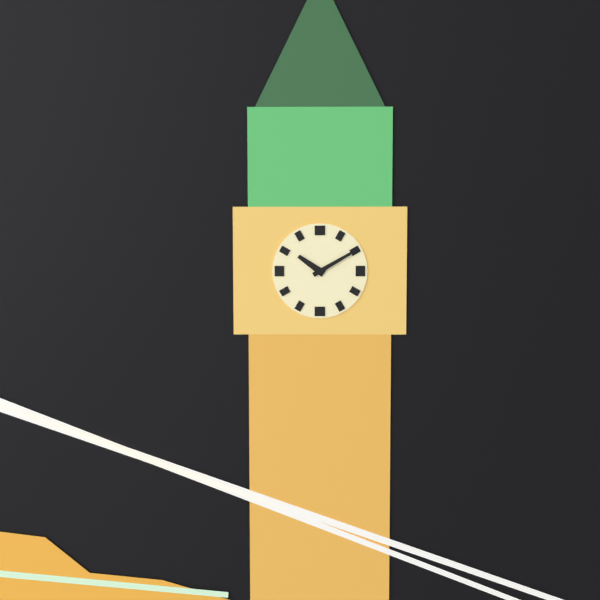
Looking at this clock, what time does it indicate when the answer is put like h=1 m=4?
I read h=10 m=10
